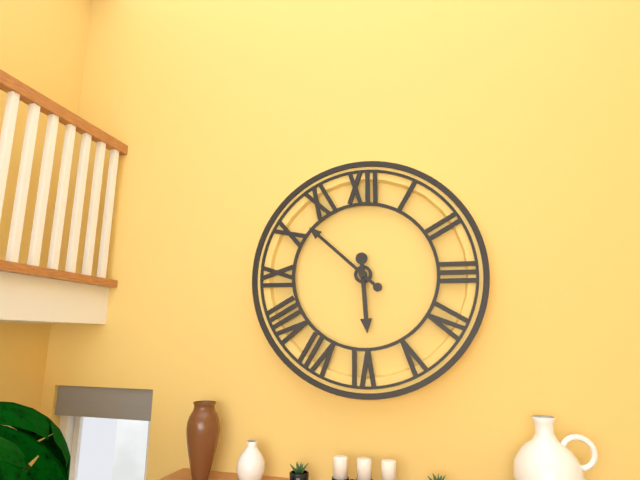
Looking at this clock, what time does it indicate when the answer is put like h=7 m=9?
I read h=5 m=52
